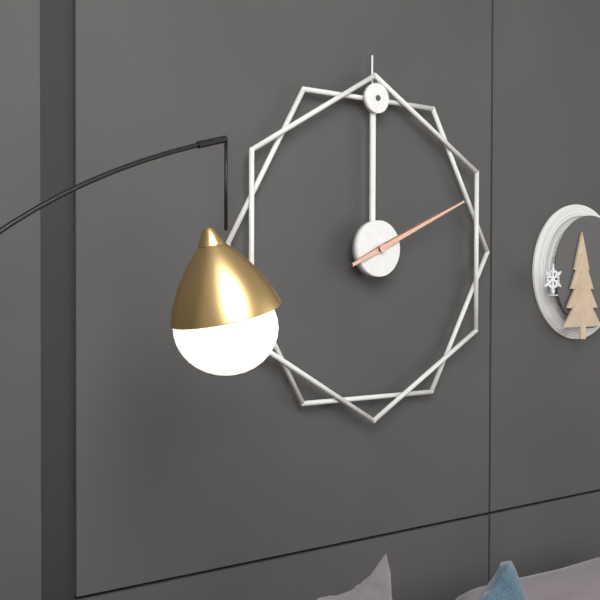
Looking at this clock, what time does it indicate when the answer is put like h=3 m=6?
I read h=2 m=11
